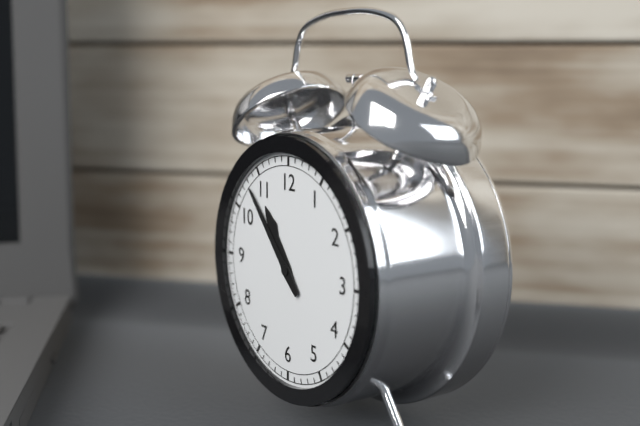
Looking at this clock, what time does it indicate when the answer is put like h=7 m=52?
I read h=10 m=53
